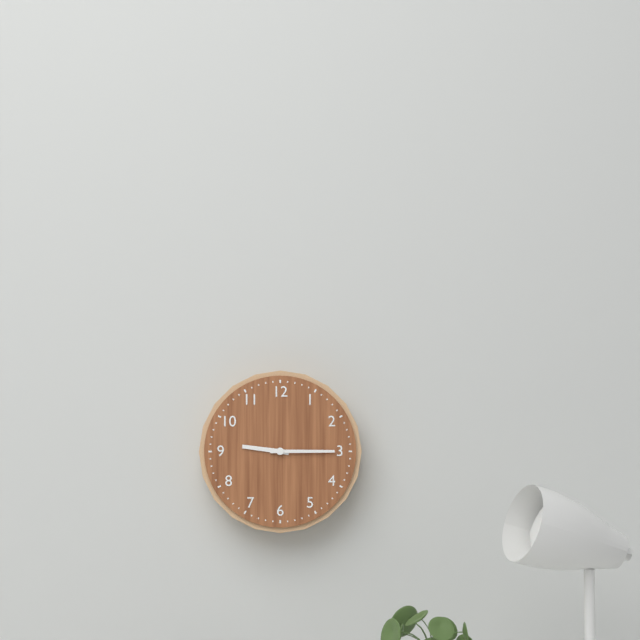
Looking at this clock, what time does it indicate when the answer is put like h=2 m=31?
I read h=9 m=15
